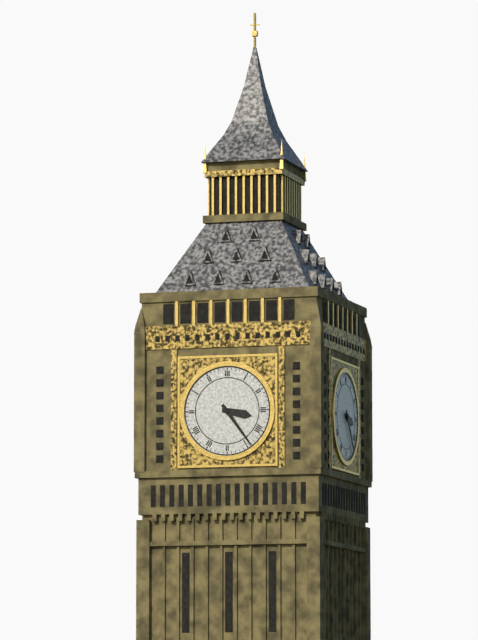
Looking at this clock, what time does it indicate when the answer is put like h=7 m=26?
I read h=3 m=24
